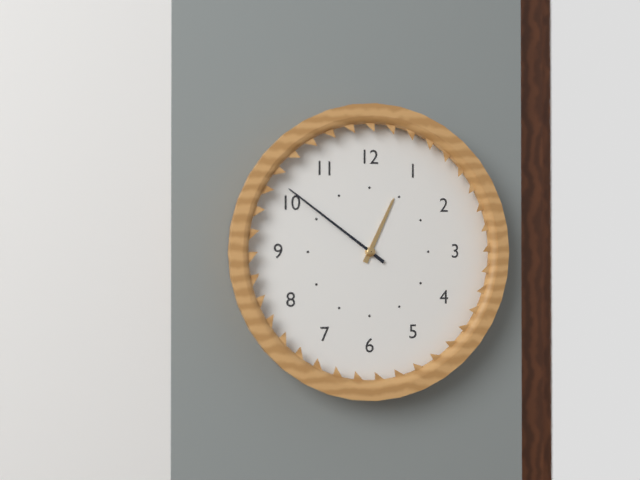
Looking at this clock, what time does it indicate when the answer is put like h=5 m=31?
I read h=12 m=51
